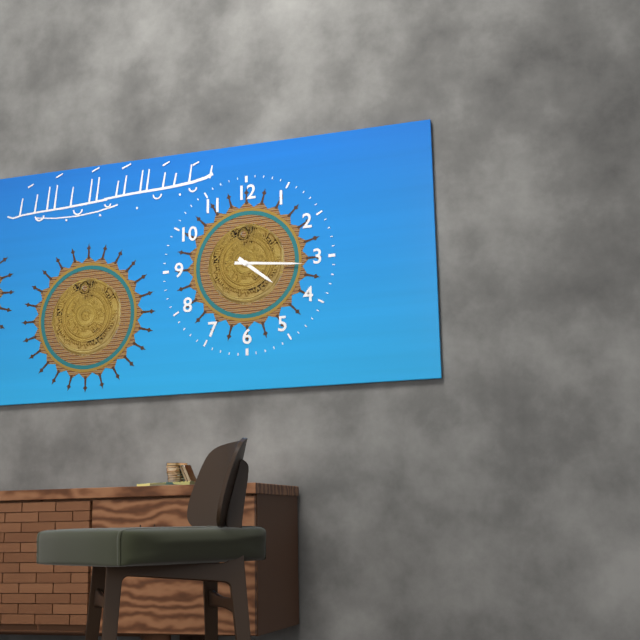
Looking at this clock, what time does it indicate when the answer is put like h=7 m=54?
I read h=4 m=16
